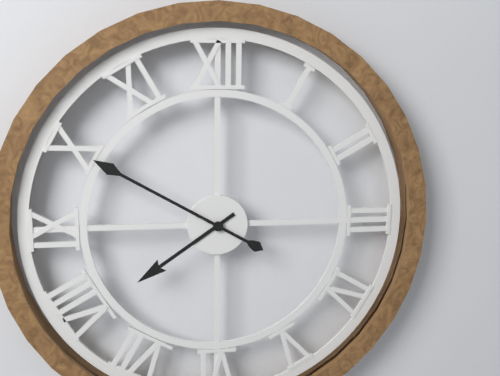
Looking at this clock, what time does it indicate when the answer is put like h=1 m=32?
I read h=7 m=50
